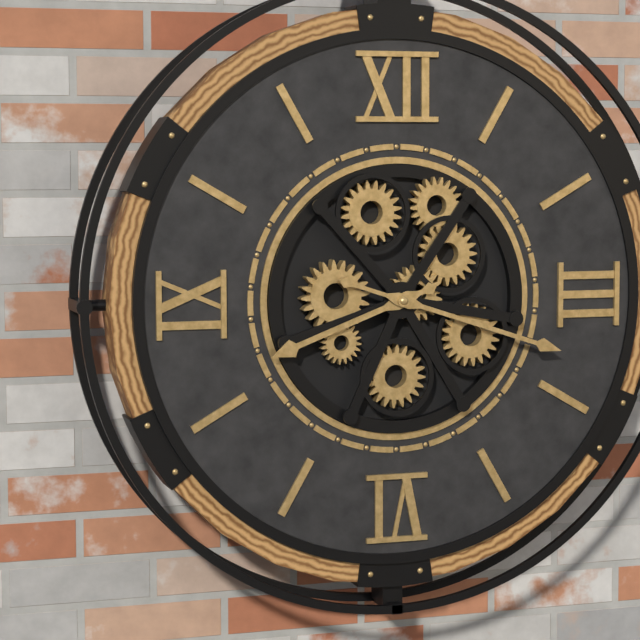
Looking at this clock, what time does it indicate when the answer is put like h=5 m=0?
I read h=8 m=18
